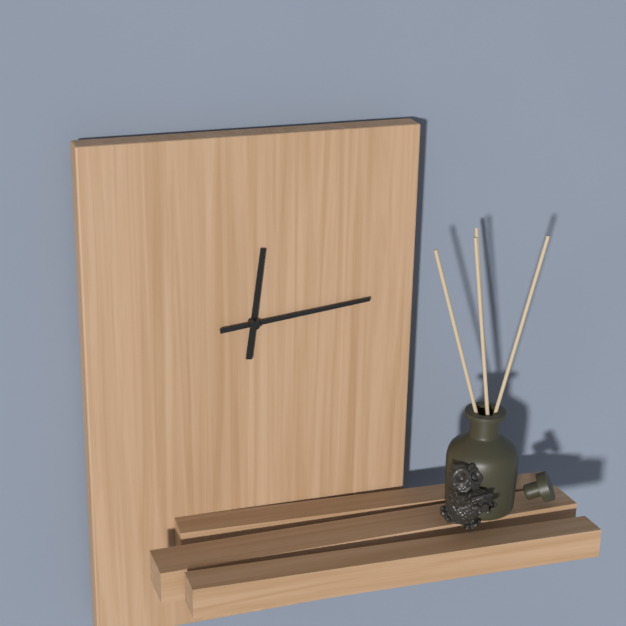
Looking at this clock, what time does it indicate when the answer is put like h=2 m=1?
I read h=12 m=14
